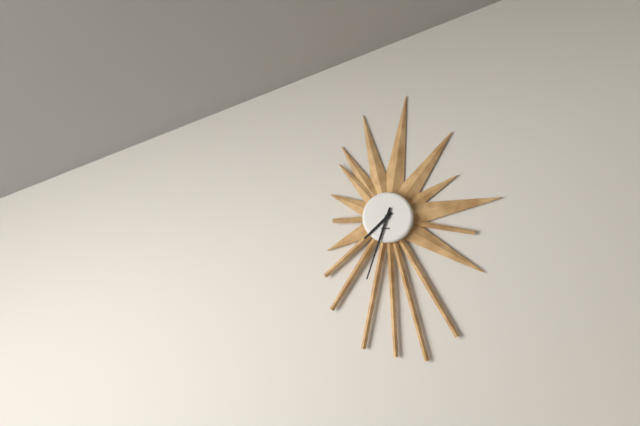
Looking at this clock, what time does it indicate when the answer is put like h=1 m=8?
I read h=7 m=33
